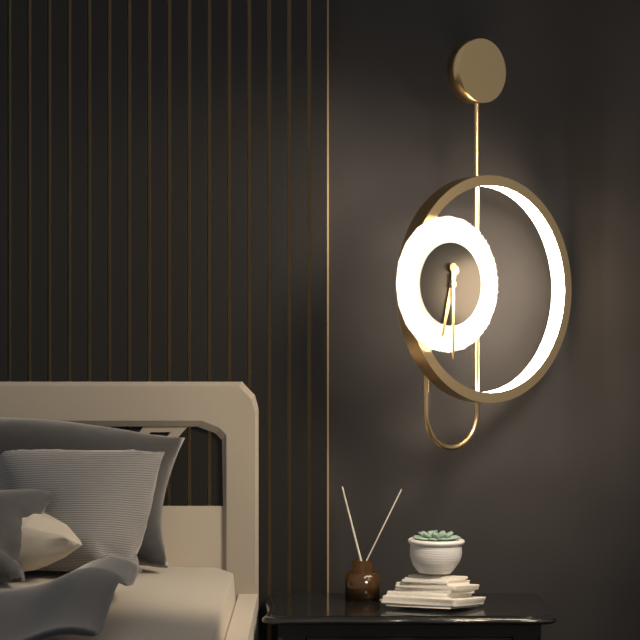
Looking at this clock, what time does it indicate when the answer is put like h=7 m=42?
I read h=6 m=30
